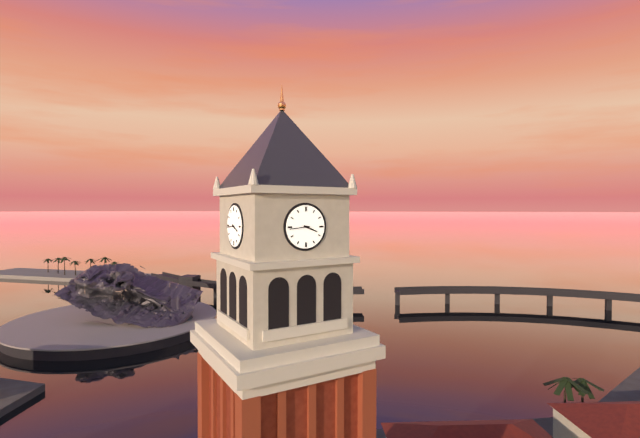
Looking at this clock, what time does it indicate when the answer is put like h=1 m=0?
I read h=3 m=44
